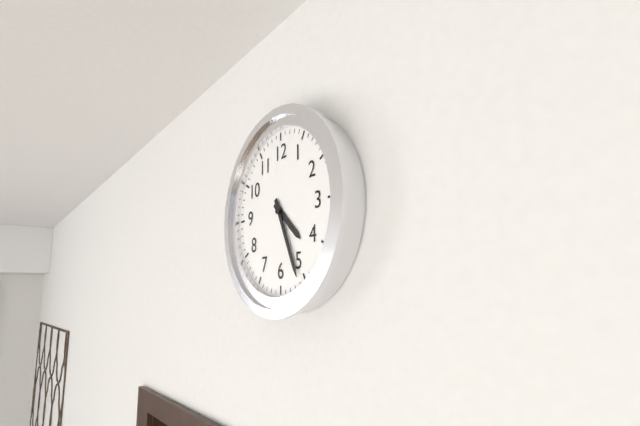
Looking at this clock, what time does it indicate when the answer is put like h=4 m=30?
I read h=4 m=26
